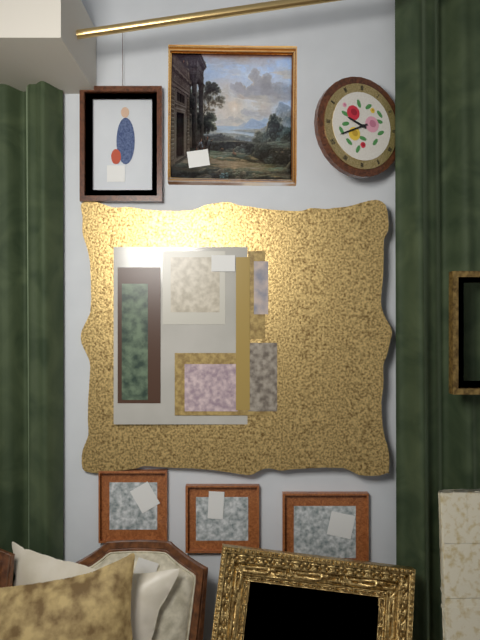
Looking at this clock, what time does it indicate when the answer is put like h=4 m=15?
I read h=9 m=41
